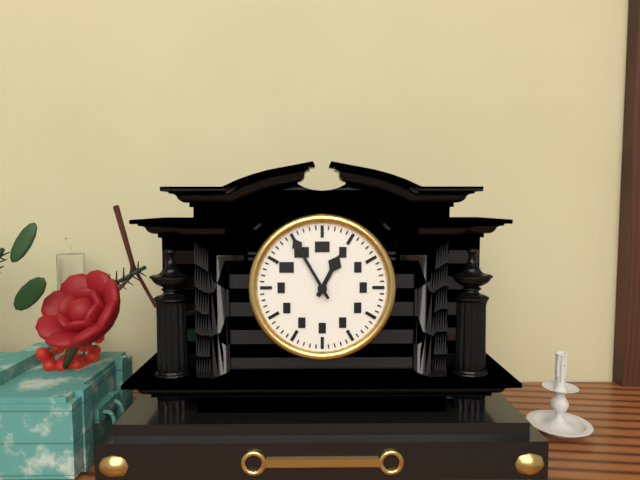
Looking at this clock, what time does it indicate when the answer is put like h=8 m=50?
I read h=12 m=55
